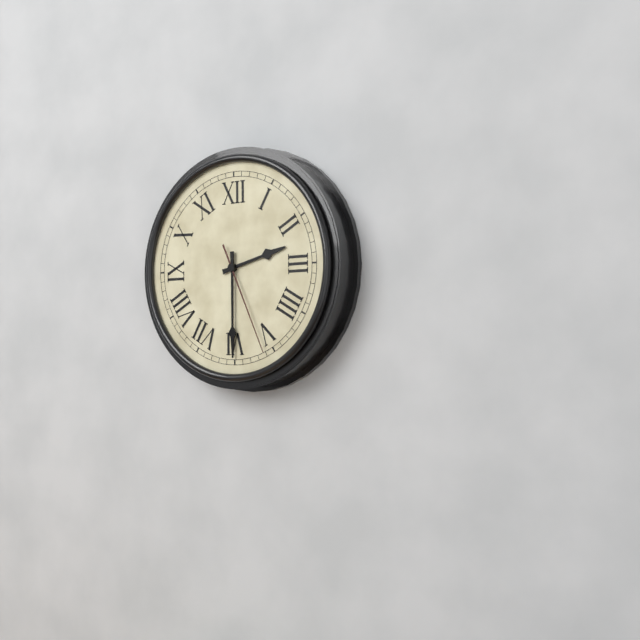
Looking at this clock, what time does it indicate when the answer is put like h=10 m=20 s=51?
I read h=2 m=30 s=26
